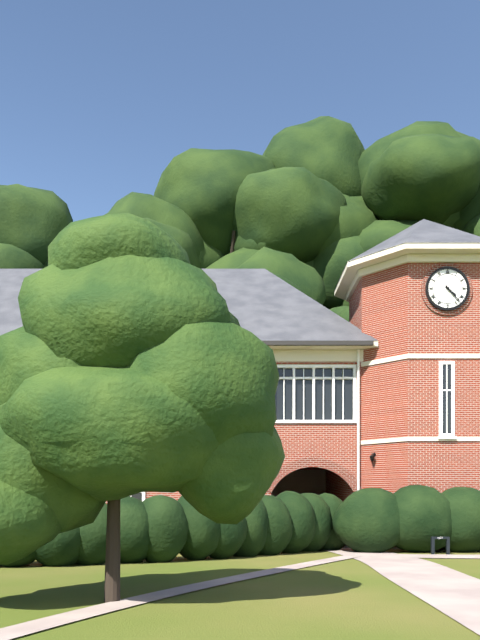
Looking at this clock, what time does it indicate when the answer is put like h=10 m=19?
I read h=4 m=23
